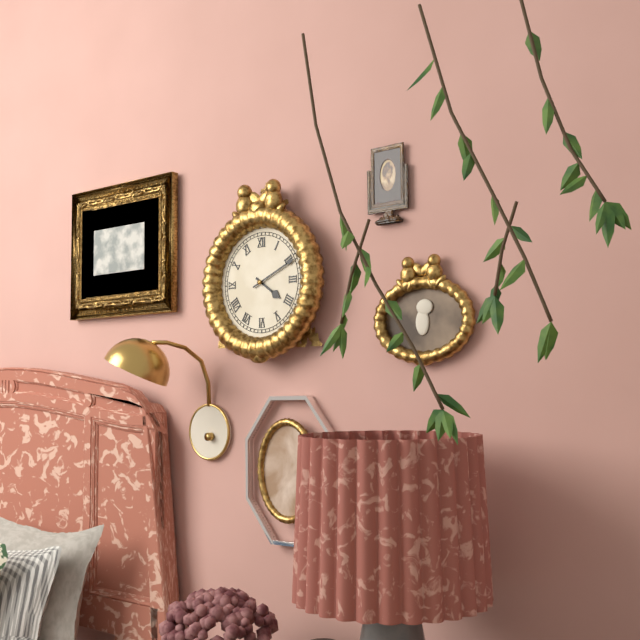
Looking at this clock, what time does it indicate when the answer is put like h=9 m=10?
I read h=4 m=11
